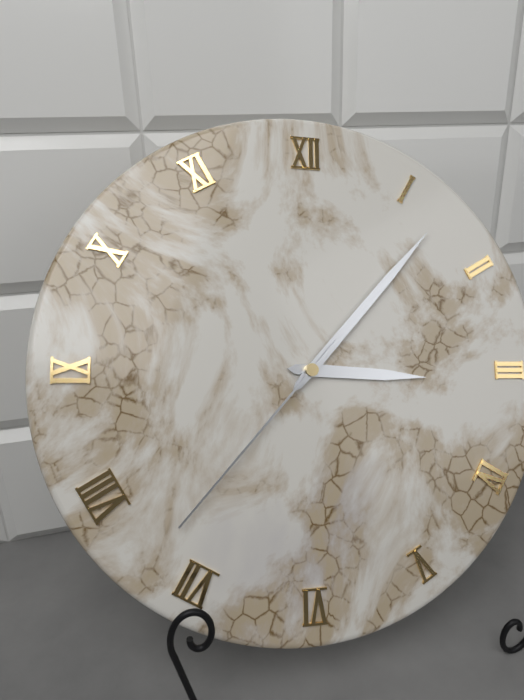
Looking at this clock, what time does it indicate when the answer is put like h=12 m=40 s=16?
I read h=3 m=7 s=37
